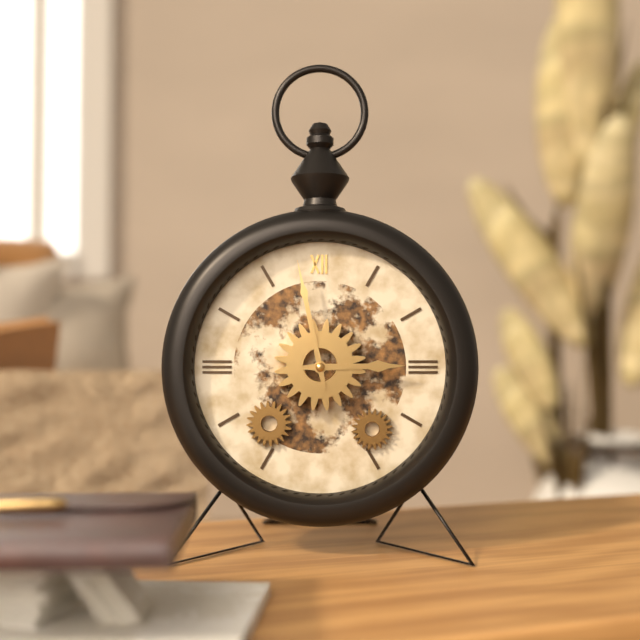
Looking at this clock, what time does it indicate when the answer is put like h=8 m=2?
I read h=2 m=58
